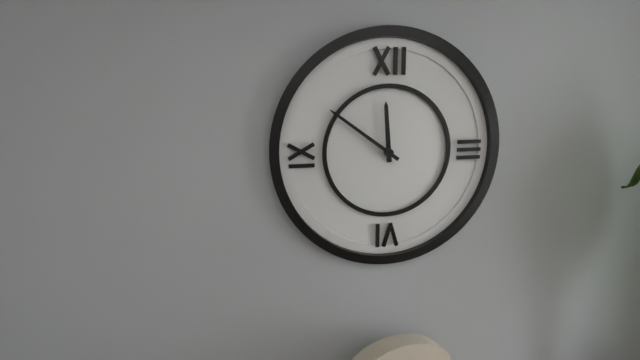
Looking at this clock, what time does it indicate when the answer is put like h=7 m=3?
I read h=11 m=51
